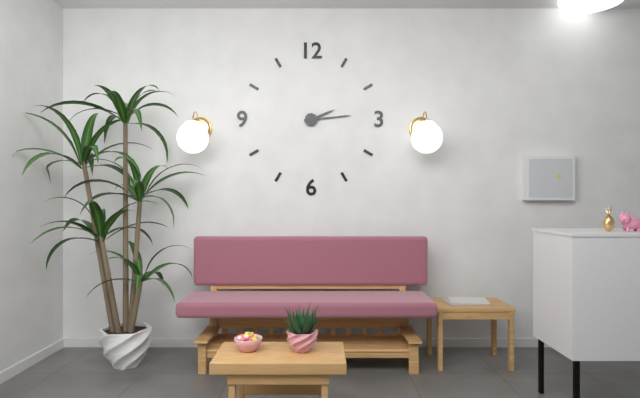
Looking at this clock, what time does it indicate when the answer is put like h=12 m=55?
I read h=2 m=14
